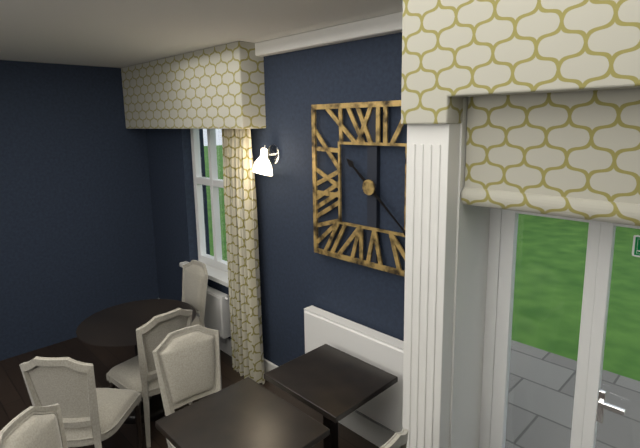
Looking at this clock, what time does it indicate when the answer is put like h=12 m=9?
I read h=10 m=22
